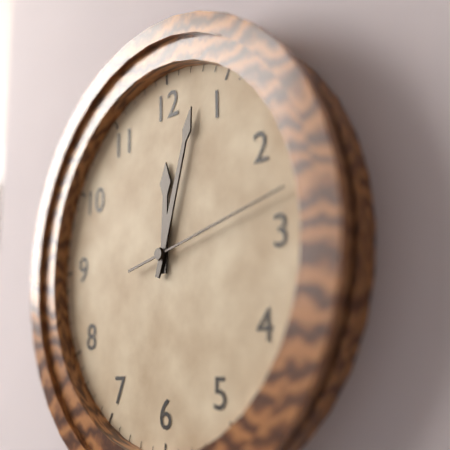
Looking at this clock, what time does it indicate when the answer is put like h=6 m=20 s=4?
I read h=12 m=3 s=13
